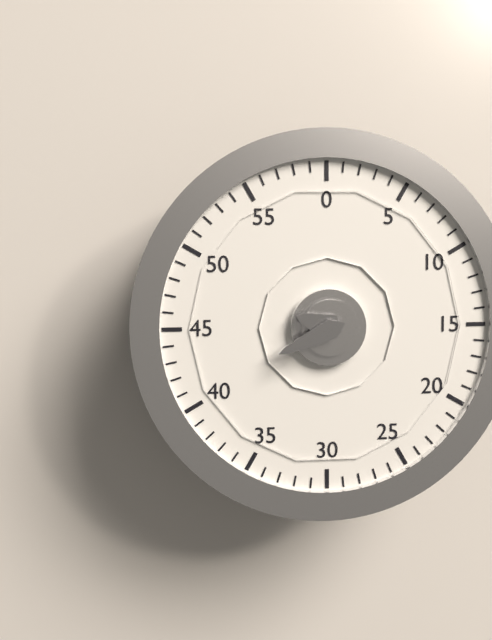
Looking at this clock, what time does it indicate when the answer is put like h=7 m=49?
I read h=9 m=41
